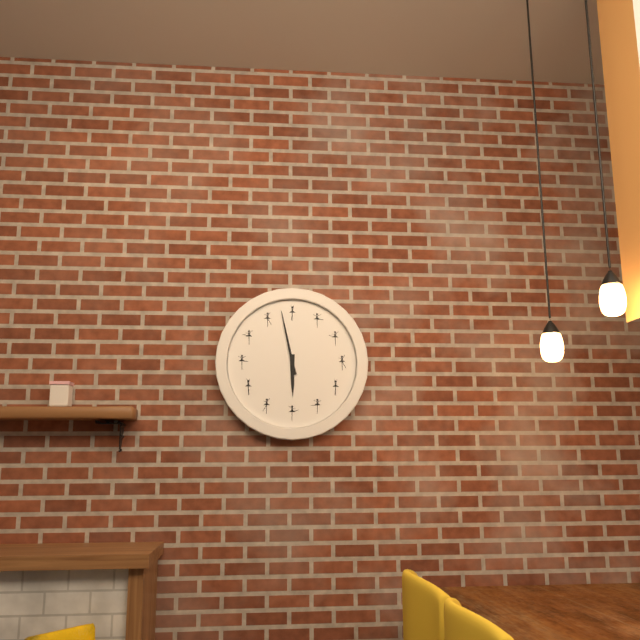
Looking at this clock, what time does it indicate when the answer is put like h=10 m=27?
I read h=5 m=58
